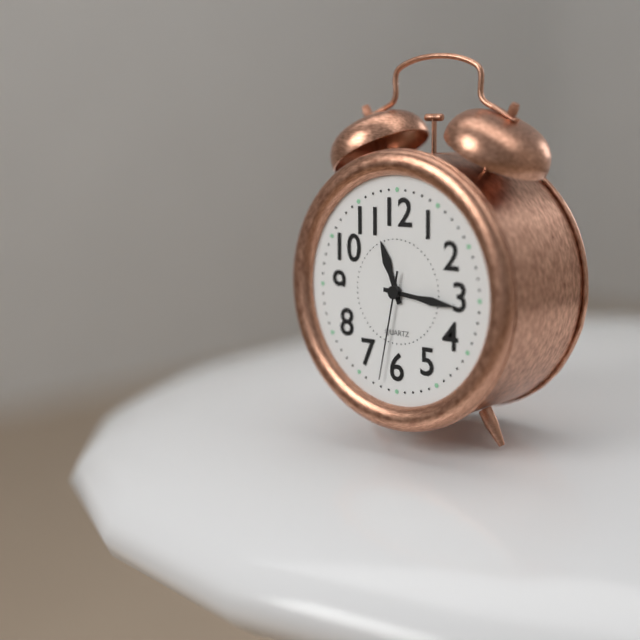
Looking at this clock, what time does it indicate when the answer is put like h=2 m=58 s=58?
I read h=11 m=16 s=32
